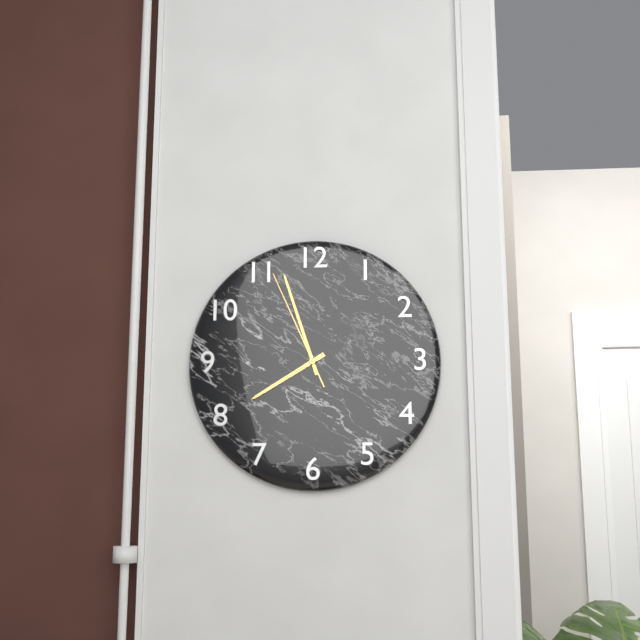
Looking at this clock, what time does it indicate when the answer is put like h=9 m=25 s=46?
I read h=7 m=57 s=56
